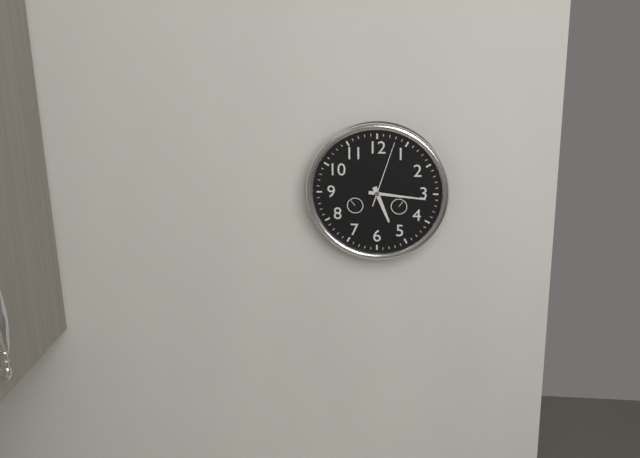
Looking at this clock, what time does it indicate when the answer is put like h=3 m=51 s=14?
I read h=5 m=16 s=3
